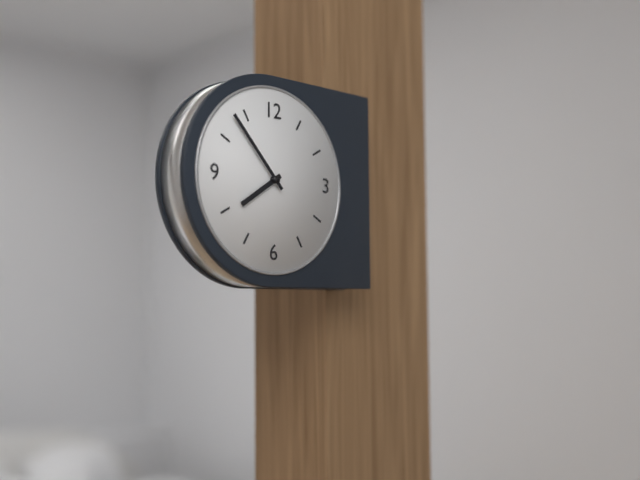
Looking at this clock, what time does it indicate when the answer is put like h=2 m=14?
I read h=7 m=53
